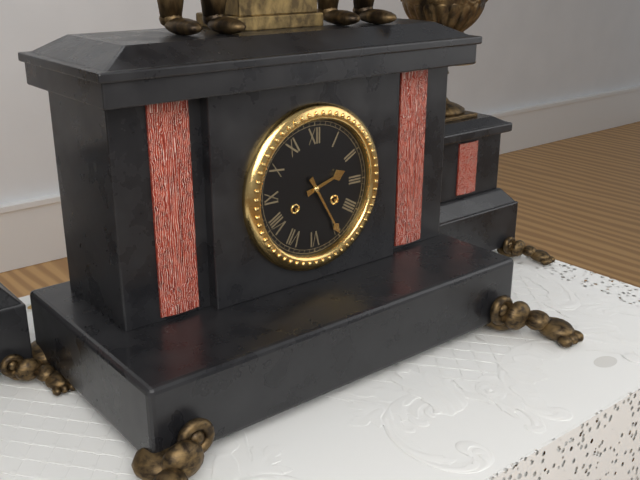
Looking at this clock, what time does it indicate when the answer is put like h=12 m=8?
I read h=2 m=25
